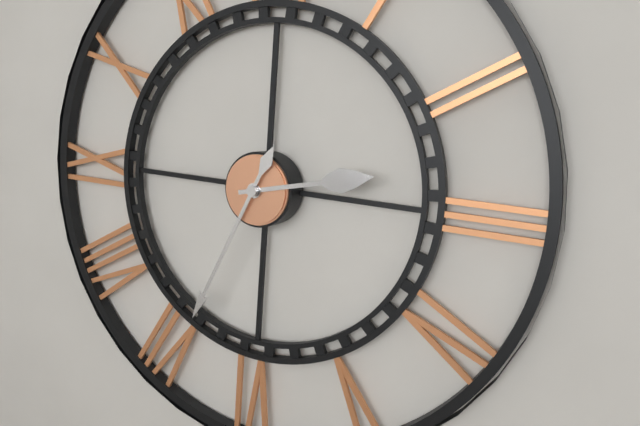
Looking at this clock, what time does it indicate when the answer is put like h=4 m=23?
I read h=2 m=34
